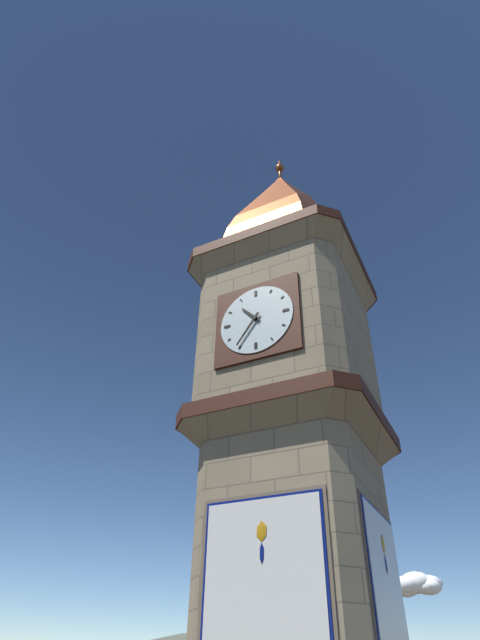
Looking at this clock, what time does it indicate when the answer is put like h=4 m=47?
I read h=10 m=36
